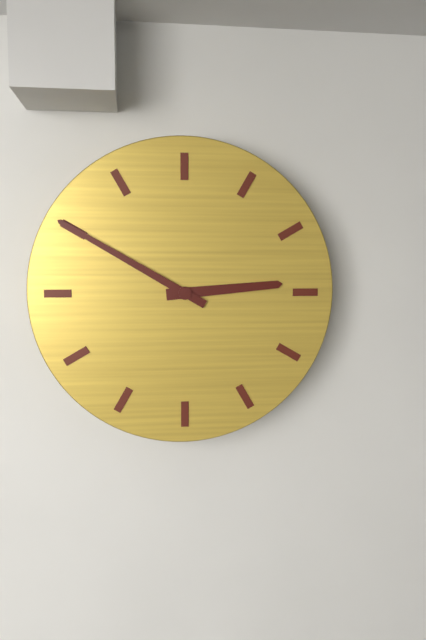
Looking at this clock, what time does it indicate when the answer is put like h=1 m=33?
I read h=2 m=50
